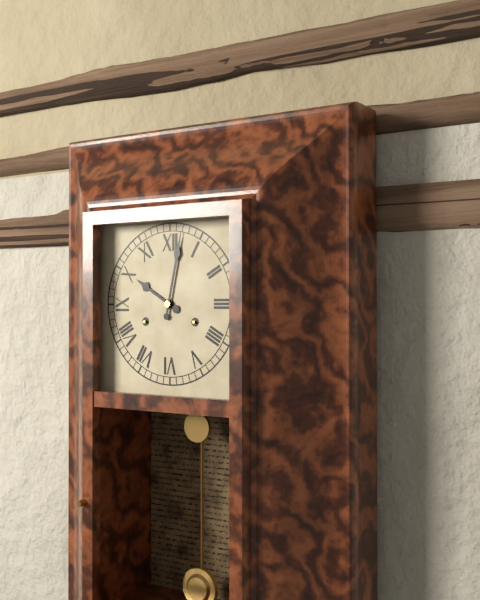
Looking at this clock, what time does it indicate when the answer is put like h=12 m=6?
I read h=10 m=2
